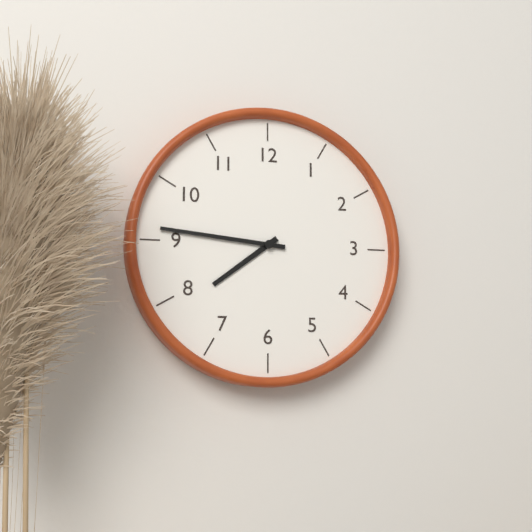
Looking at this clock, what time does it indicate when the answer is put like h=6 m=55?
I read h=7 m=46
